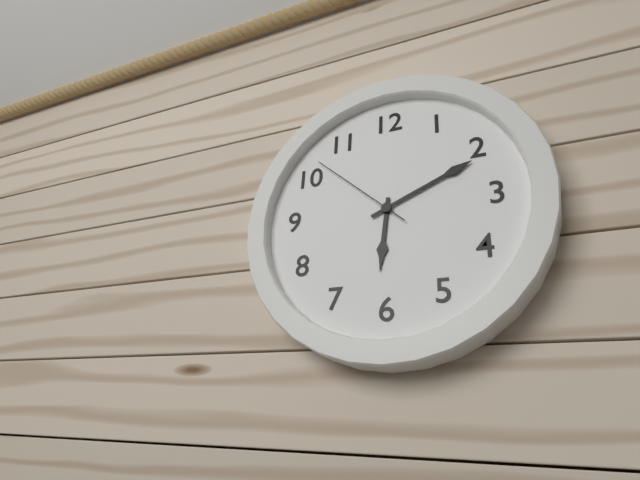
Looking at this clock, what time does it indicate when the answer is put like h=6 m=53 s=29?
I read h=6 m=11 s=52
